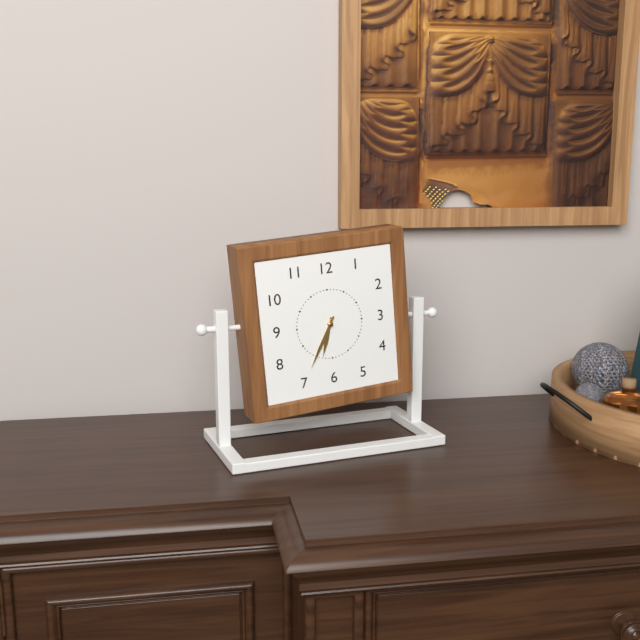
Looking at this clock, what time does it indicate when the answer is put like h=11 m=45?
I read h=6 m=35
